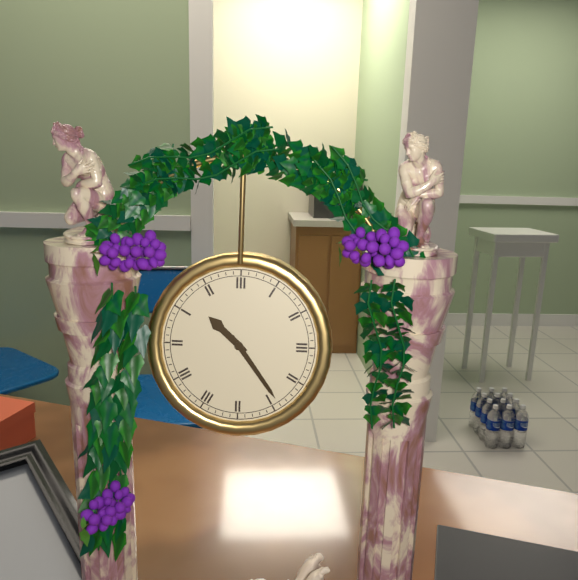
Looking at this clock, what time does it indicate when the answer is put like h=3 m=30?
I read h=10 m=24
